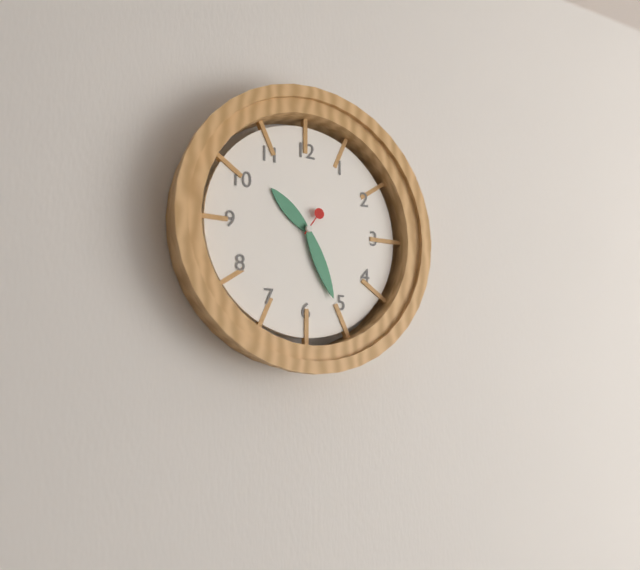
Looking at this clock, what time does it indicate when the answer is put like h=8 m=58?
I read h=10 m=26
